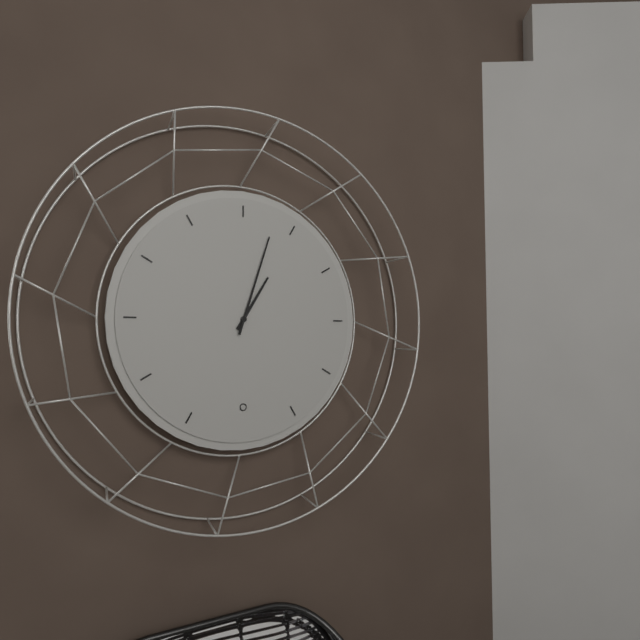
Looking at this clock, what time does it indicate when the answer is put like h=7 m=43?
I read h=1 m=3
